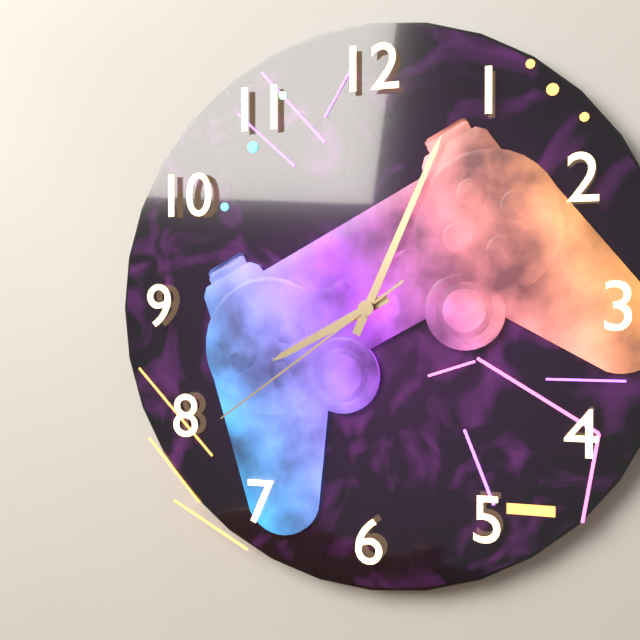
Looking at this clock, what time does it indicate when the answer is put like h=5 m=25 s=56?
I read h=8 m=4 s=39
